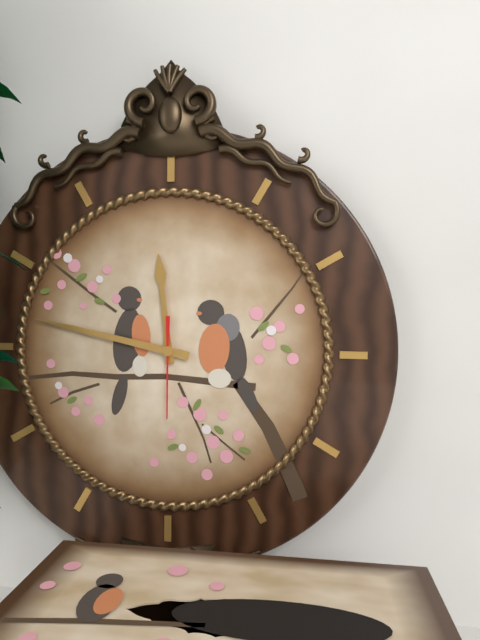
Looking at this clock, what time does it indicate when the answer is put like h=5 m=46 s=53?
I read h=11 m=47 s=30
